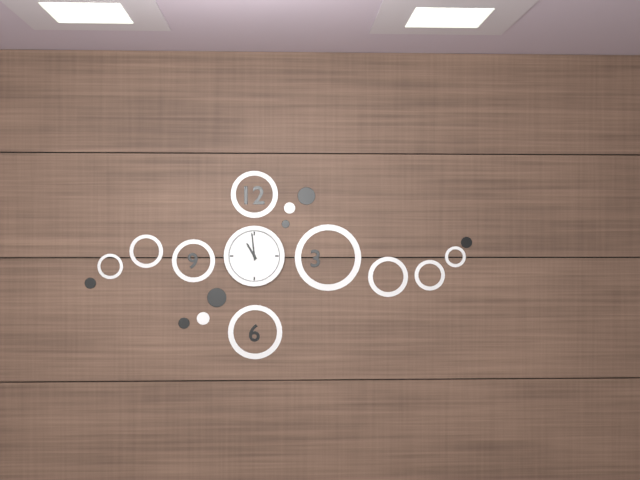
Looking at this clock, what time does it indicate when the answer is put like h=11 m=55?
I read h=10 m=59
